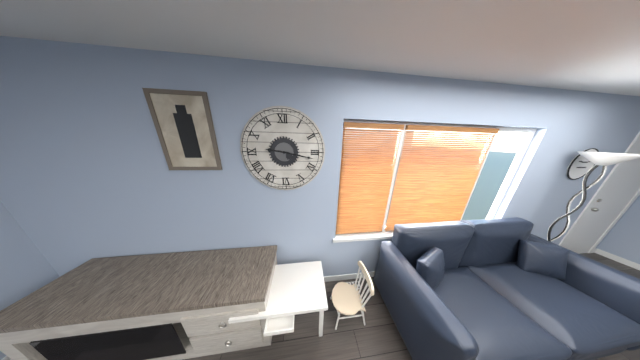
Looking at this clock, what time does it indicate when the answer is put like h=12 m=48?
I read h=9 m=17
